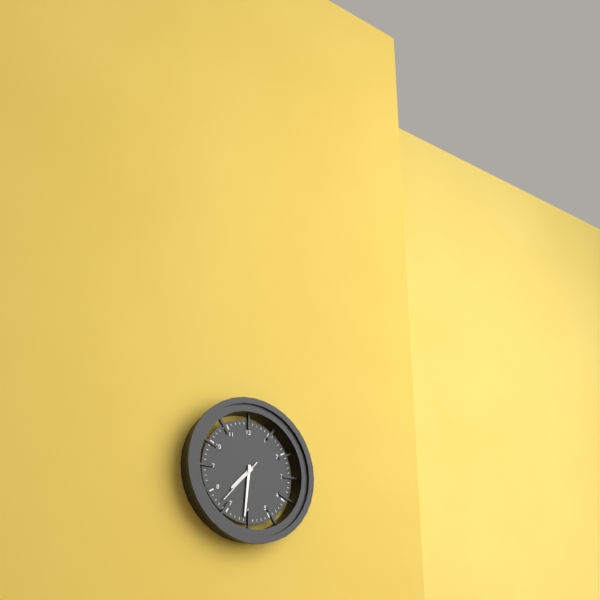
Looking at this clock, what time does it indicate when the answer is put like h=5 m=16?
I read h=7 m=31
